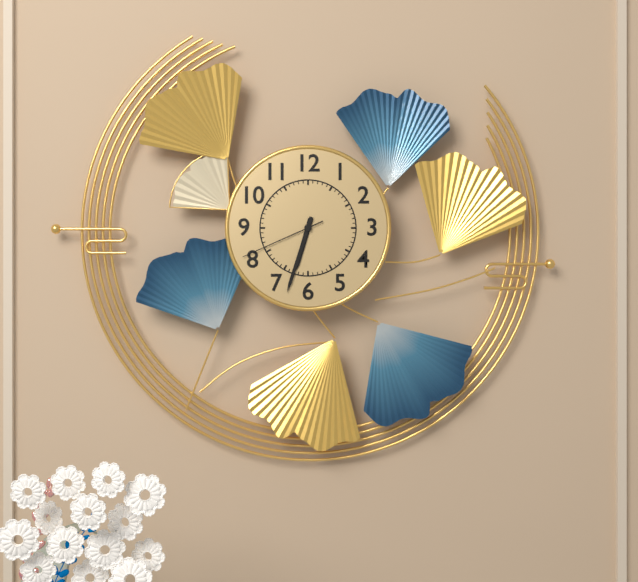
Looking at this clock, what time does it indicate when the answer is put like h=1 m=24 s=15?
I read h=6 m=33 s=41
